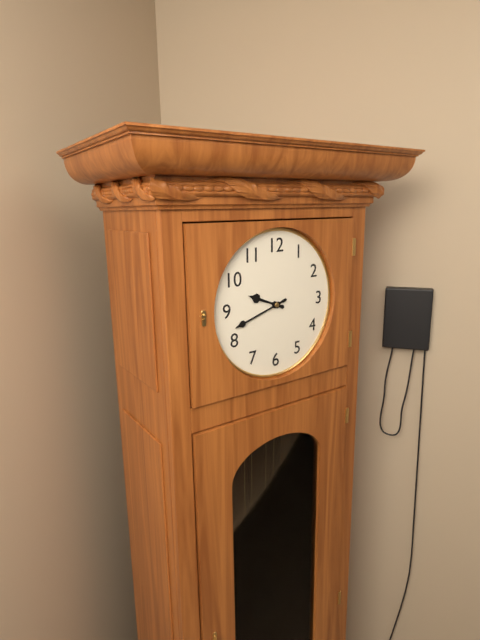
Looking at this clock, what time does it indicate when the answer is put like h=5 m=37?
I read h=9 m=42
